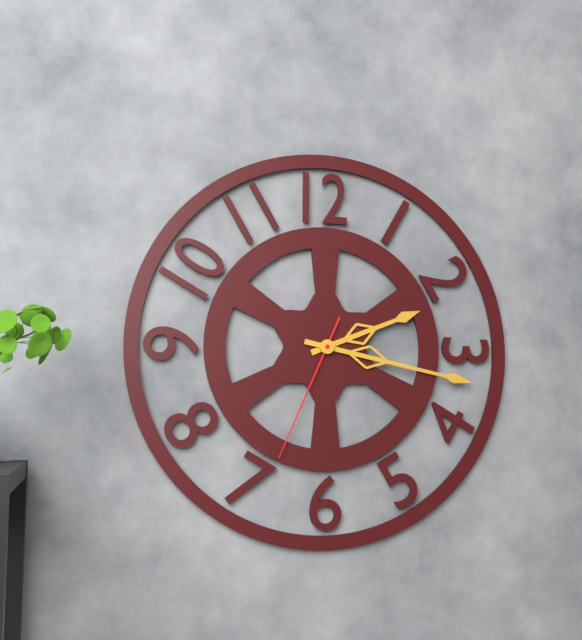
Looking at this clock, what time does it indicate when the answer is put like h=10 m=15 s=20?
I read h=2 m=17 s=34
